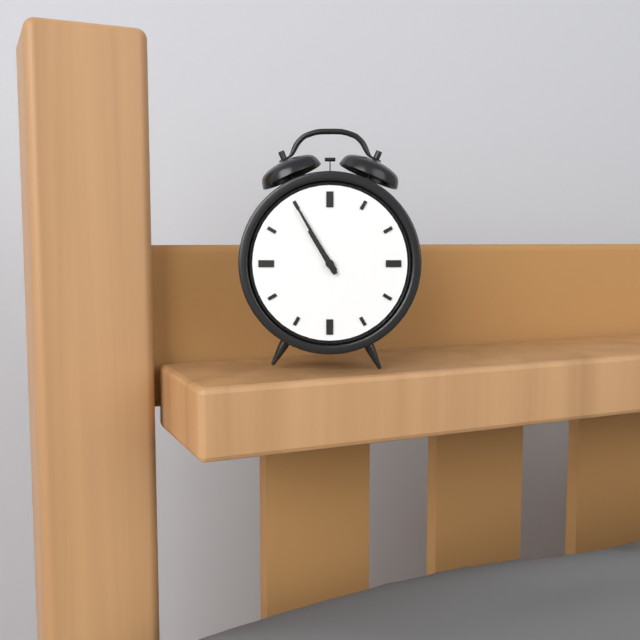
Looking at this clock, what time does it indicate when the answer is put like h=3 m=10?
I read h=10 m=55
